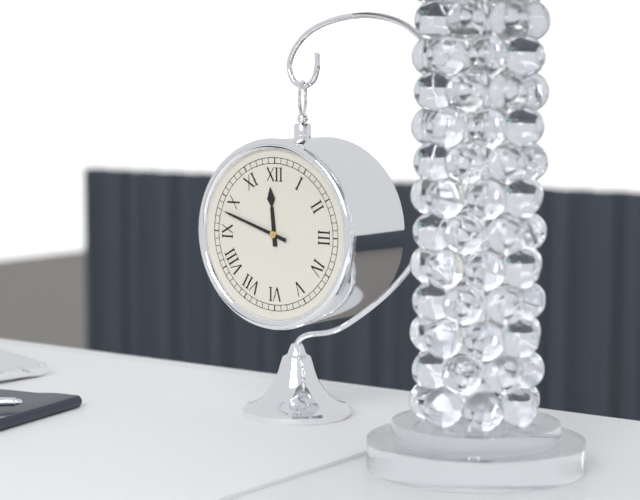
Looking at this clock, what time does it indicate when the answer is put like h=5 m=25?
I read h=11 m=48
